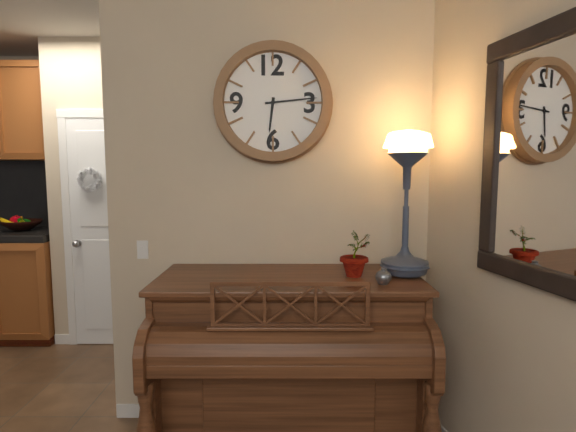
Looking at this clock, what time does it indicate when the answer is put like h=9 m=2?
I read h=6 m=14
